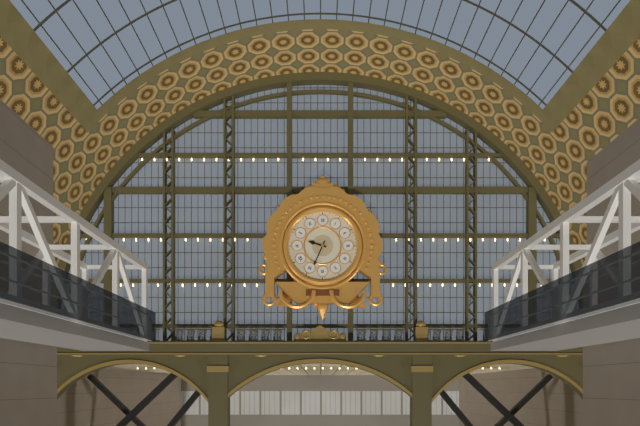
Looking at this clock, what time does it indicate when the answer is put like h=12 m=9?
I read h=9 m=34
